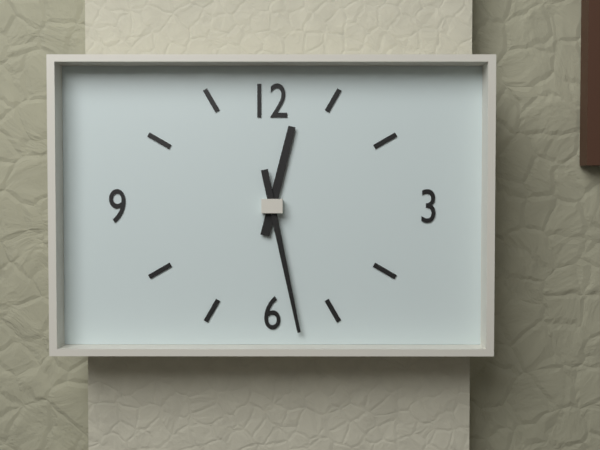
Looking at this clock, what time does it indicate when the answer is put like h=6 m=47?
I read h=12 m=28
